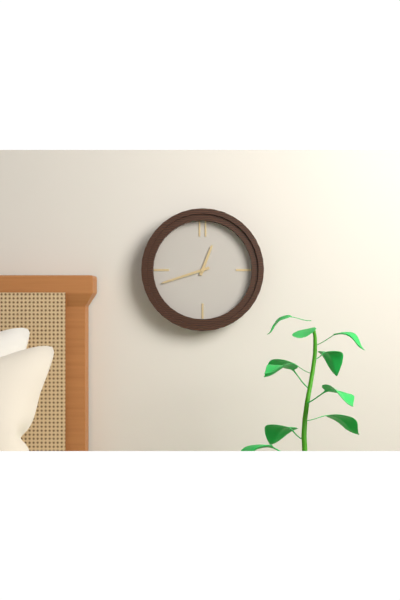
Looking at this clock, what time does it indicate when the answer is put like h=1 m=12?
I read h=12 m=42
